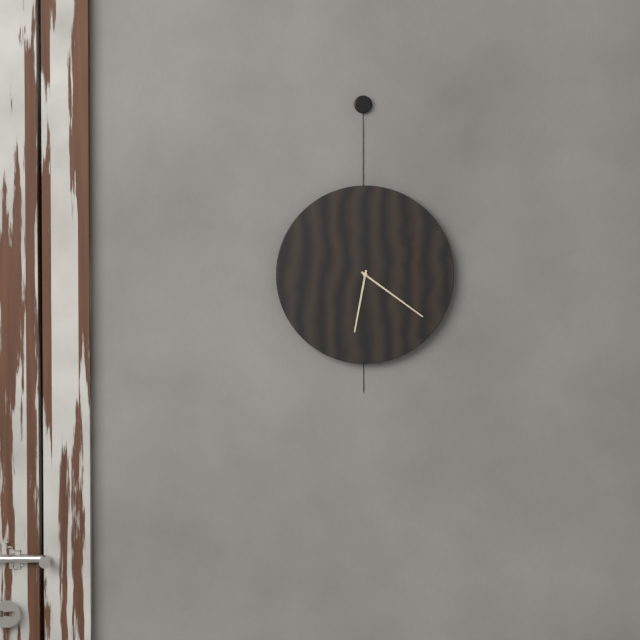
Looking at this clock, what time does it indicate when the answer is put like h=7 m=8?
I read h=6 m=21
